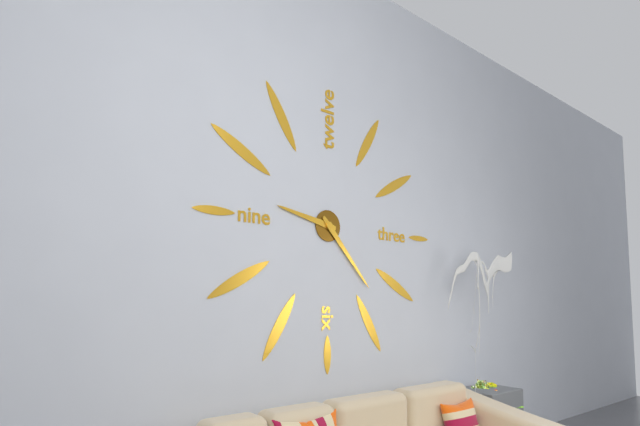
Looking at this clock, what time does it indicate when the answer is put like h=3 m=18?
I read h=9 m=23
